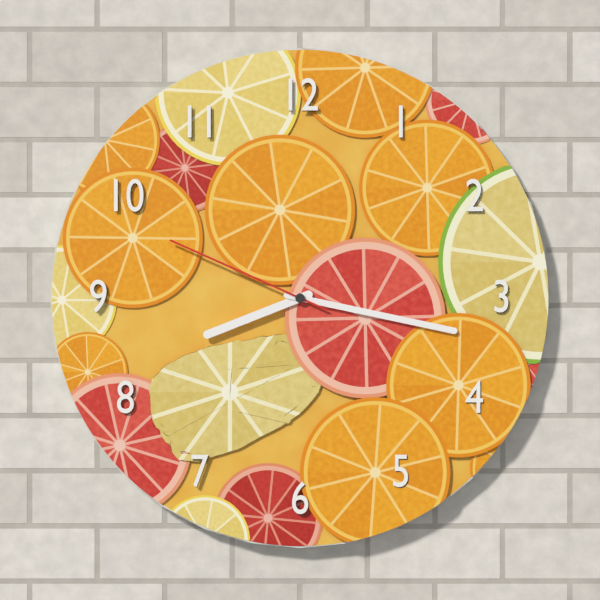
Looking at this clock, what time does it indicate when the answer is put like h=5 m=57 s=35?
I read h=8 m=17 s=49
